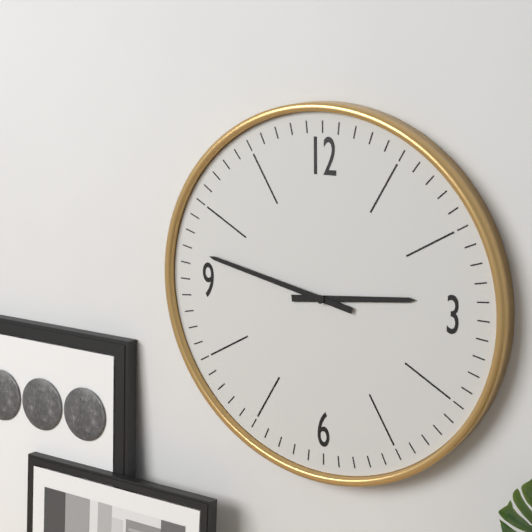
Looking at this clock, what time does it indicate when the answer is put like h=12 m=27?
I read h=2 m=47
